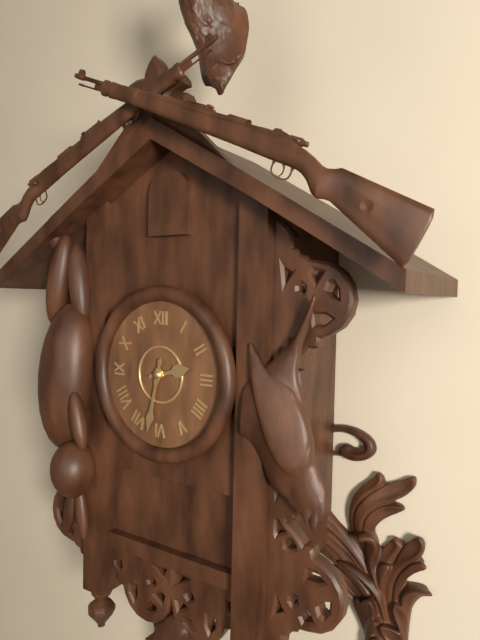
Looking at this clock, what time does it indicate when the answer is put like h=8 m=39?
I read h=2 m=32
